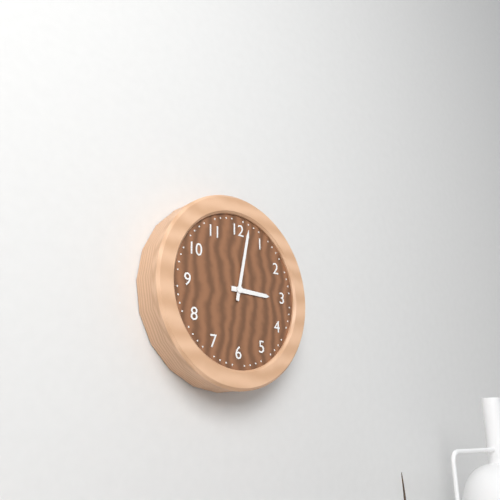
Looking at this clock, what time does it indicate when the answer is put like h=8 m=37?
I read h=3 m=2
